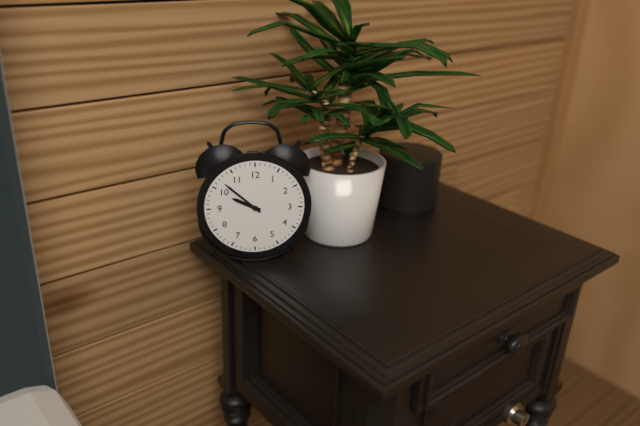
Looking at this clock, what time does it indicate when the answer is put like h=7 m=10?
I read h=9 m=52
